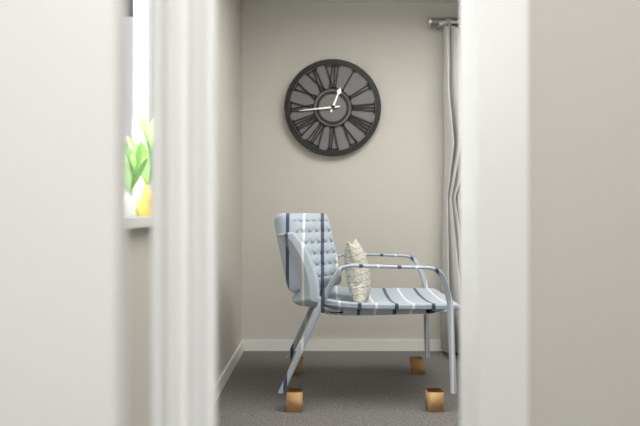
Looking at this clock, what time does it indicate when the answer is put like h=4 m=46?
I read h=12 m=44
